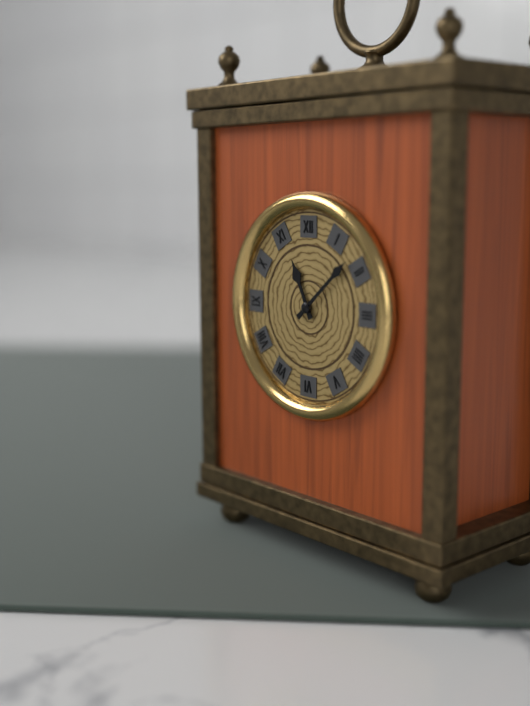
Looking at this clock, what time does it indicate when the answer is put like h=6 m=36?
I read h=11 m=8
